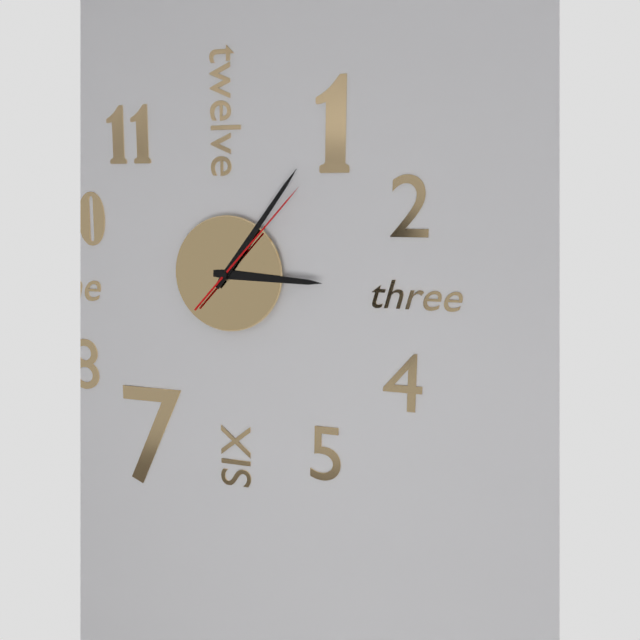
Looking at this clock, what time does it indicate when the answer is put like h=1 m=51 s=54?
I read h=3 m=6 s=7
